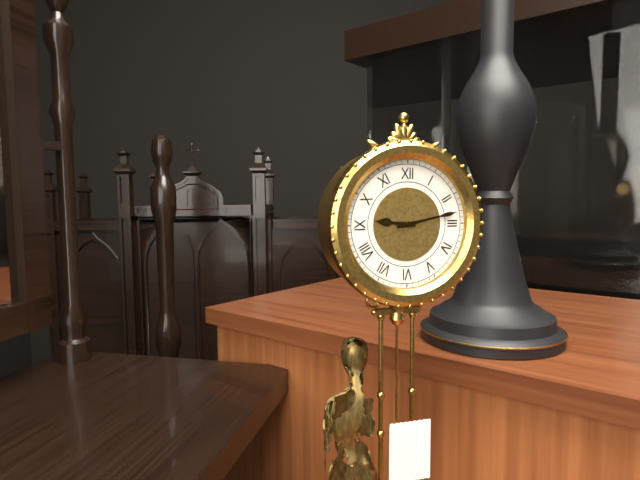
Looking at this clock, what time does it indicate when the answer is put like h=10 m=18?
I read h=9 m=13
